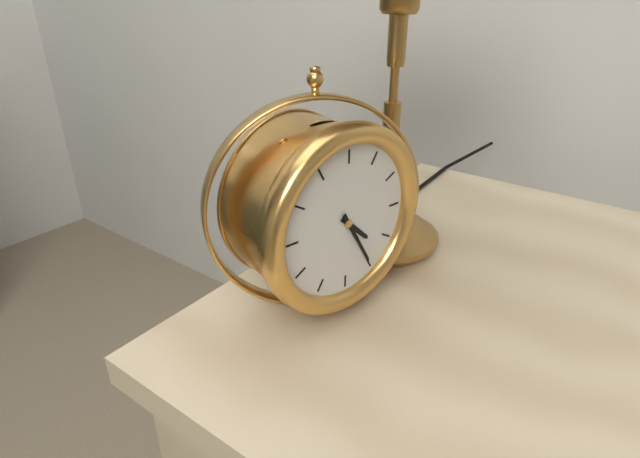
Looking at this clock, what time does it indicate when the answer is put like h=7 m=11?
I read h=4 m=25
